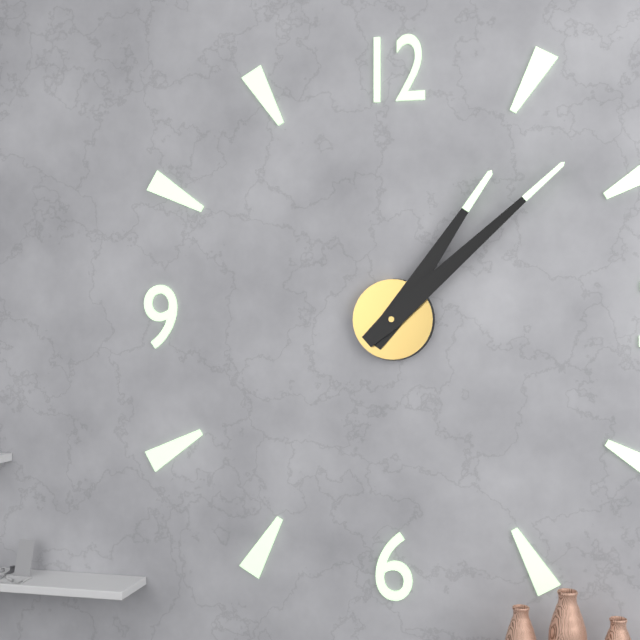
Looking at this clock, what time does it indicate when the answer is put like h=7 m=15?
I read h=1 m=8
